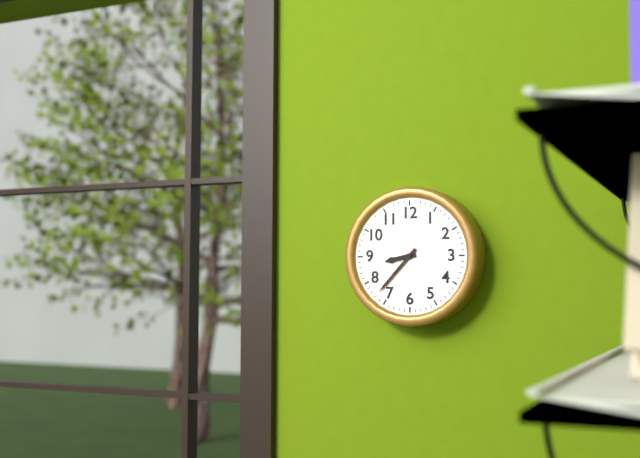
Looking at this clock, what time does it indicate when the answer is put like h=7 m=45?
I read h=8 m=37
